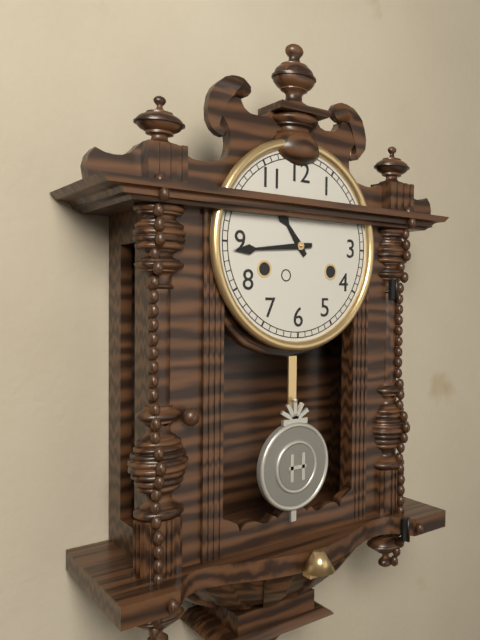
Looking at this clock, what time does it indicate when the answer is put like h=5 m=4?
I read h=10 m=44
